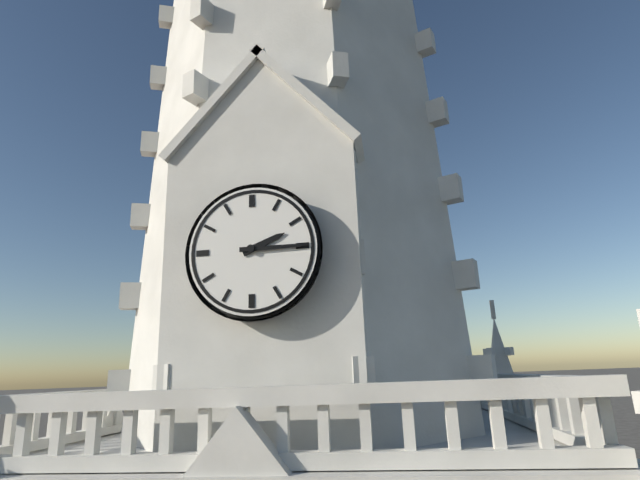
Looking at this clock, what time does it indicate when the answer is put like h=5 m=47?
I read h=2 m=15
